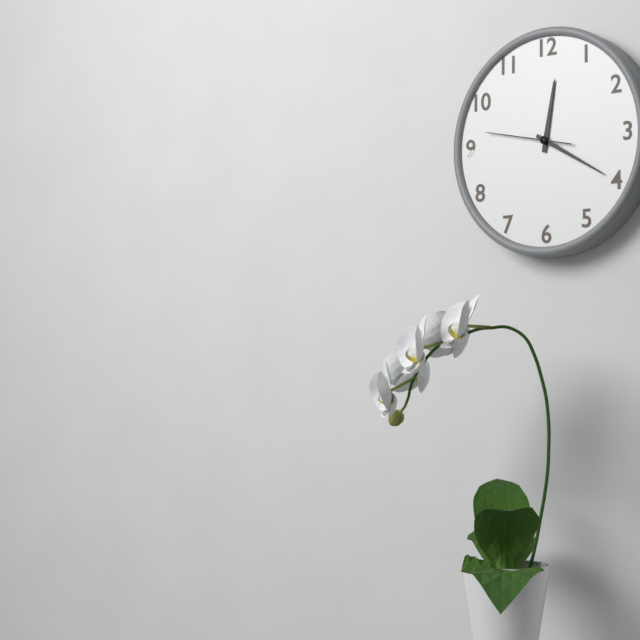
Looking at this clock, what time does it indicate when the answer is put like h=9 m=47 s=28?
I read h=12 m=20 s=47
